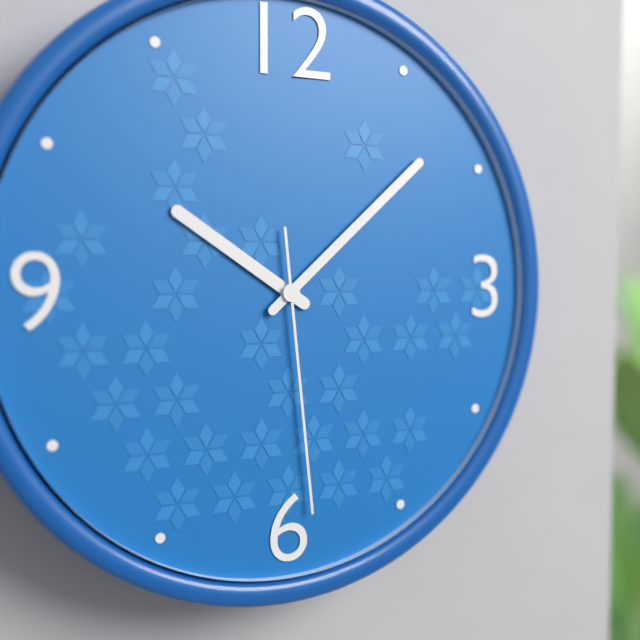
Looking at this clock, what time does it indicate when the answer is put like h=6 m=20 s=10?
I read h=10 m=8 s=29
